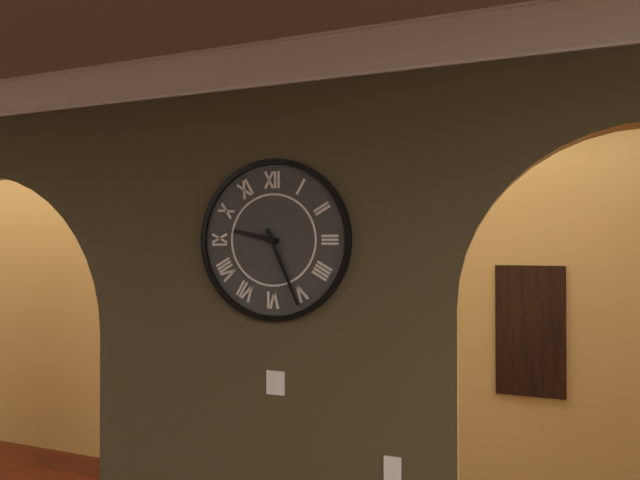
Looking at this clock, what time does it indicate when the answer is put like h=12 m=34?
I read h=9 m=26
